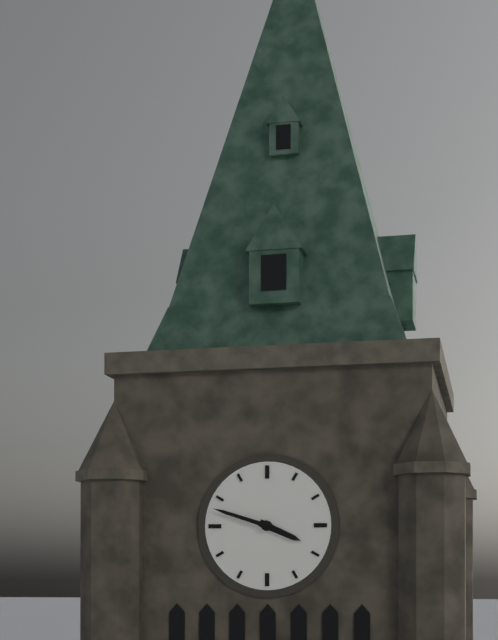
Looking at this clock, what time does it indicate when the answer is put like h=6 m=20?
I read h=3 m=48
